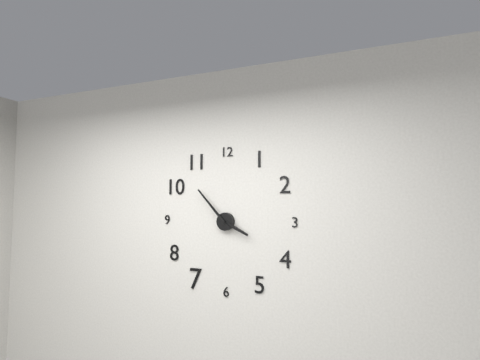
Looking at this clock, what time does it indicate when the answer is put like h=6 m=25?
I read h=3 m=53
